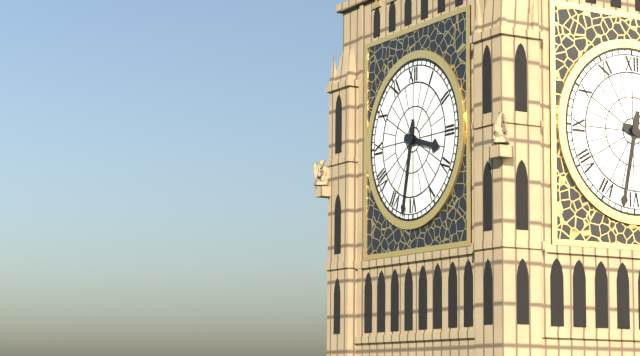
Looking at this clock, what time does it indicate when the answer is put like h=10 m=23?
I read h=3 m=32
